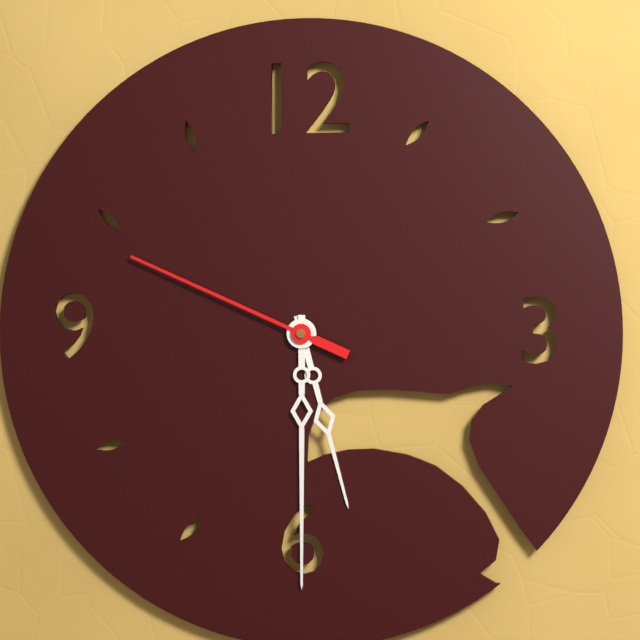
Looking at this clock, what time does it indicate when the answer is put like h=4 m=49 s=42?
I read h=5 m=30 s=49
